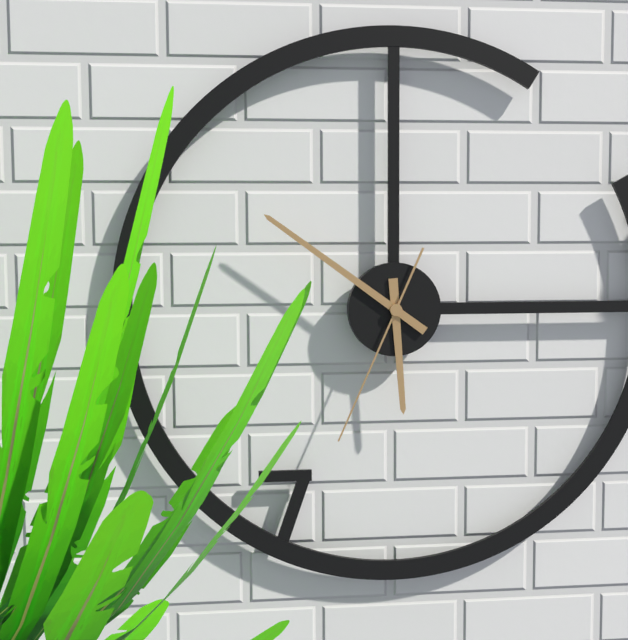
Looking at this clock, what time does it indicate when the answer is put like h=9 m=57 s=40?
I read h=5 m=51 s=34
